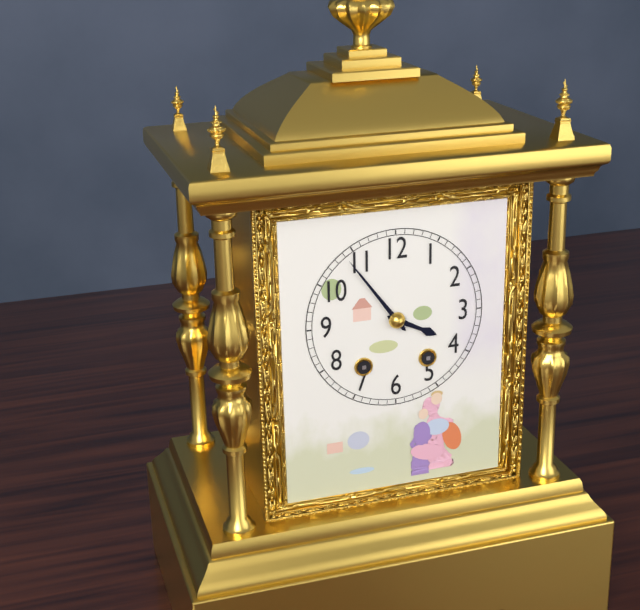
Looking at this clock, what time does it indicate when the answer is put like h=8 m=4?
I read h=3 m=54
